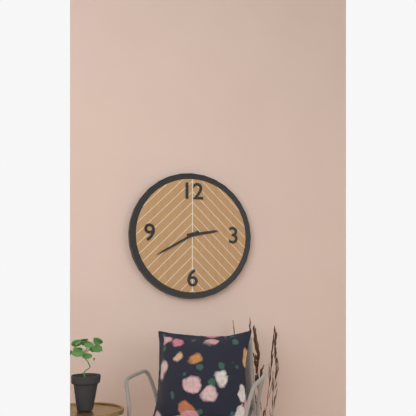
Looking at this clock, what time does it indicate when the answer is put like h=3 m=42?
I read h=2 m=40
